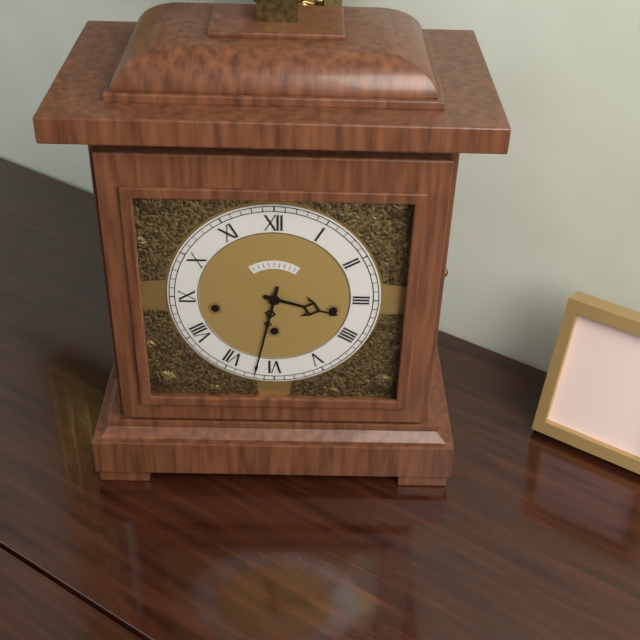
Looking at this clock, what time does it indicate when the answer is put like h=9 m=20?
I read h=3 m=32
